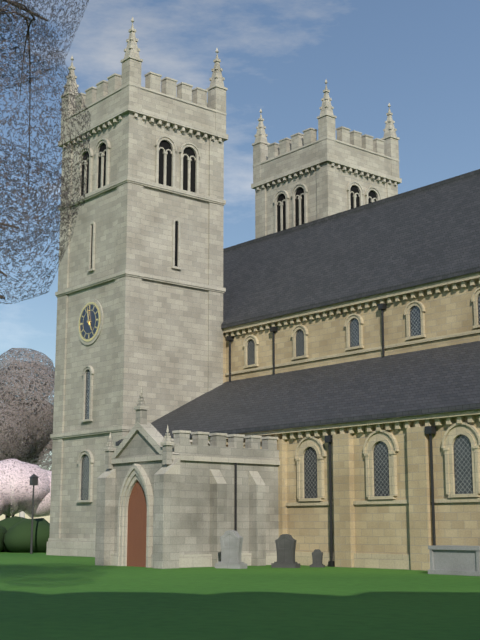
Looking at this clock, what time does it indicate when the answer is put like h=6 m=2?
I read h=4 m=58
